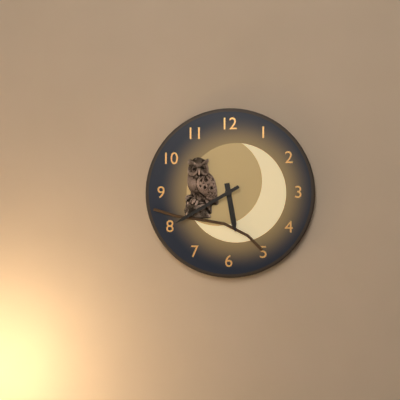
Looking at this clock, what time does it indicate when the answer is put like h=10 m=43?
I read h=5 m=40
